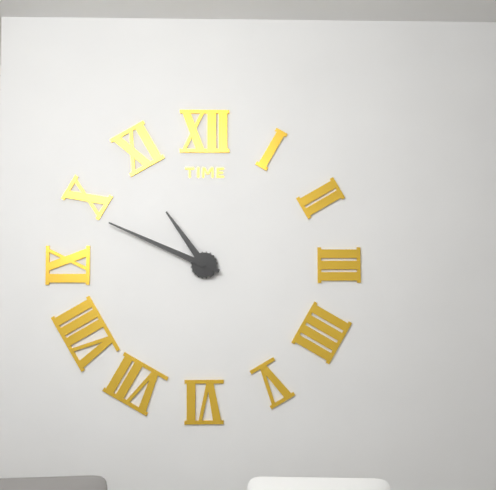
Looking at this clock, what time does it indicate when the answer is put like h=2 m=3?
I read h=10 m=49
